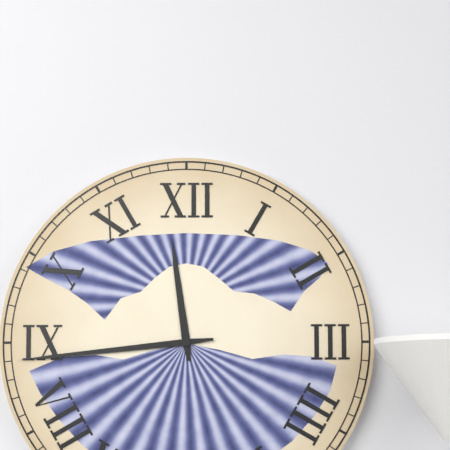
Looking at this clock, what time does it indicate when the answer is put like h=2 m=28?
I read h=11 m=44
